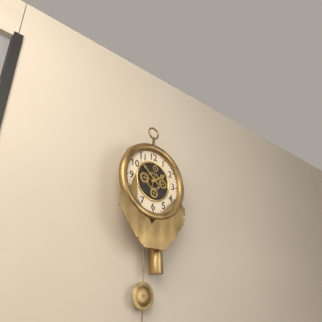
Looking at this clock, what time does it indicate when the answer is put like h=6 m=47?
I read h=1 m=52
